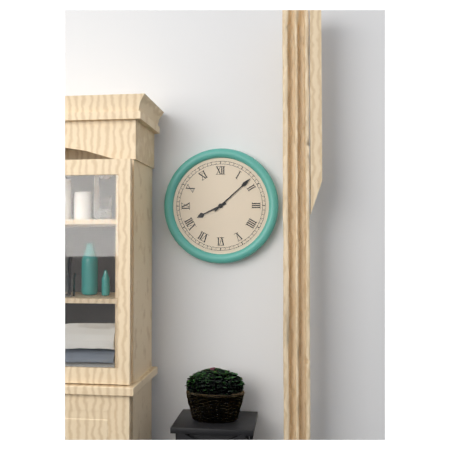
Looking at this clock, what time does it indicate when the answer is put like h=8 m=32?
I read h=8 m=8
